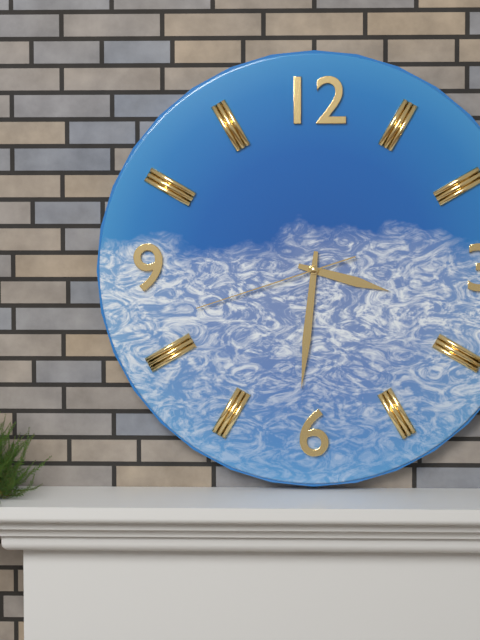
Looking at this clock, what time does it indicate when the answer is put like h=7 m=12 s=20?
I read h=3 m=31 s=42
